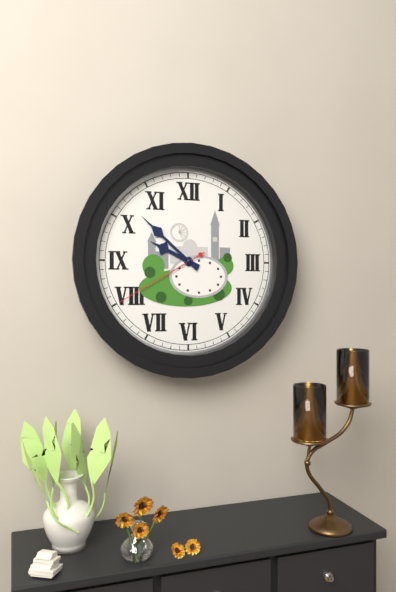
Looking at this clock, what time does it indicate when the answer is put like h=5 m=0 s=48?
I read h=9 m=52 s=40
